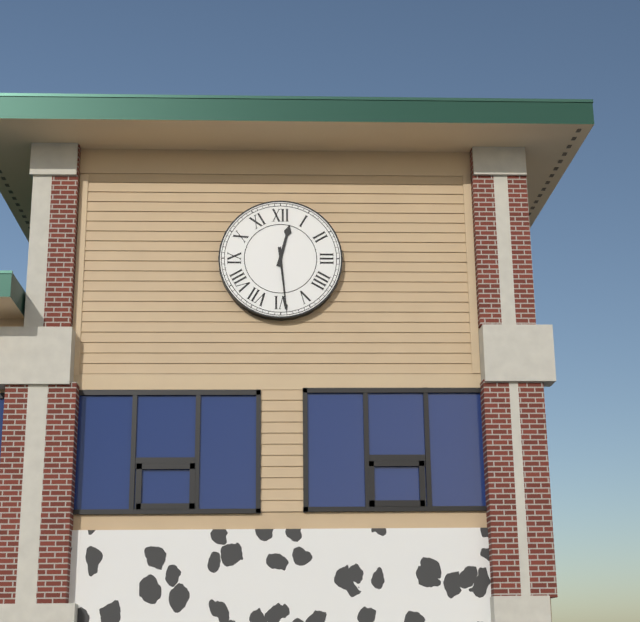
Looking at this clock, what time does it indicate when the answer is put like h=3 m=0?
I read h=12 m=29
